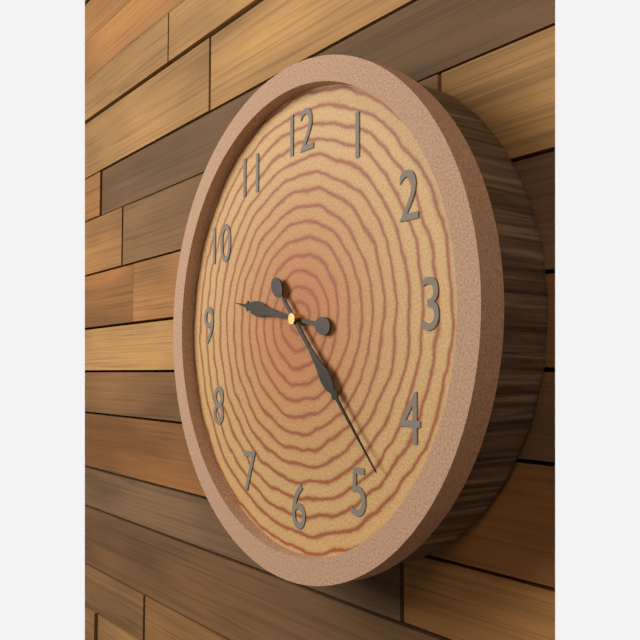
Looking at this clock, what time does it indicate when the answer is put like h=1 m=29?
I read h=9 m=23
